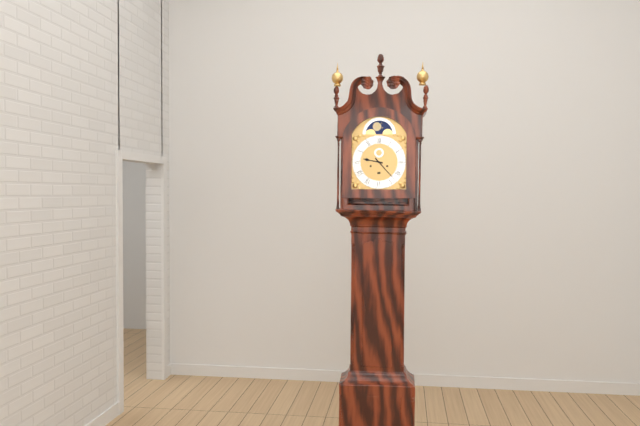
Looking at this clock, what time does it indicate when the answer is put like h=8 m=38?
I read h=9 m=23
